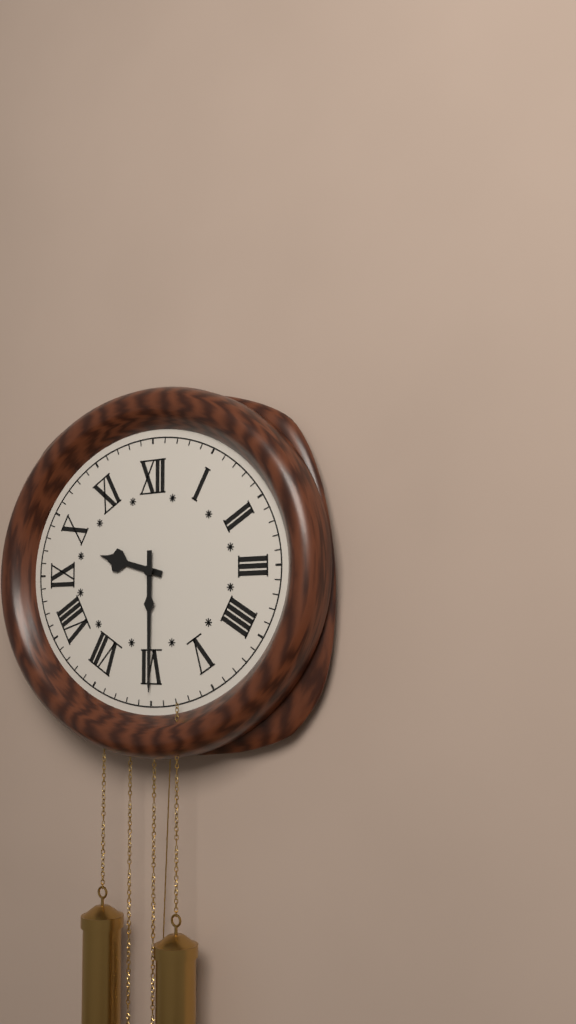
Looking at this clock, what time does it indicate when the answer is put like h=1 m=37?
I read h=9 m=30
